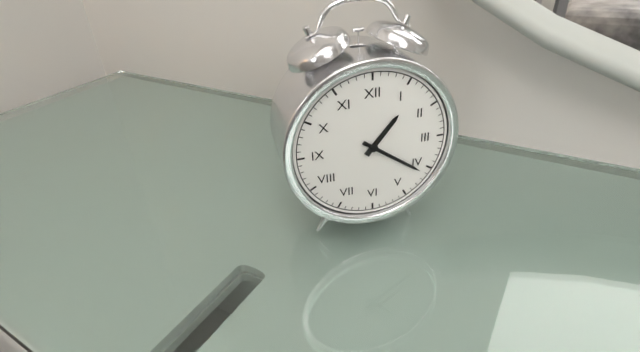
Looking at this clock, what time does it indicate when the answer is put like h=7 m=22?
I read h=1 m=21
